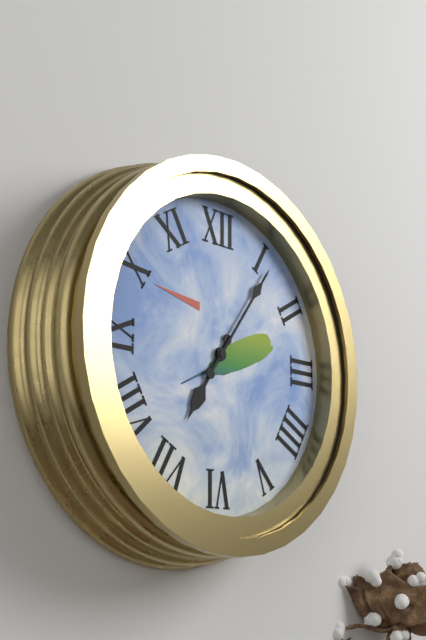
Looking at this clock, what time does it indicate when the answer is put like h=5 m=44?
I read h=7 m=6
